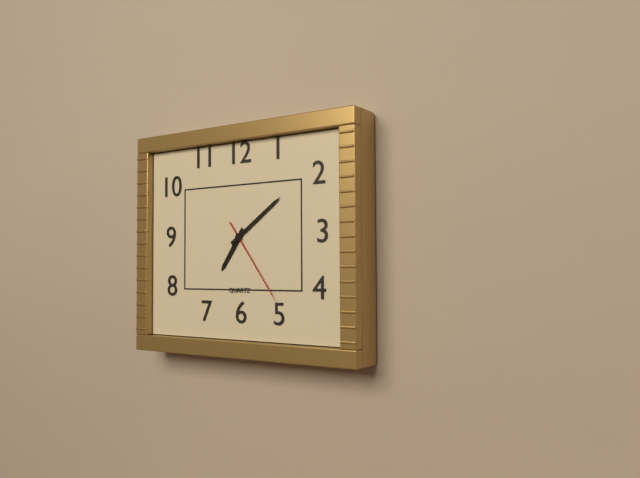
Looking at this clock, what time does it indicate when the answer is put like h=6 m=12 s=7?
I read h=7 m=9 s=24
